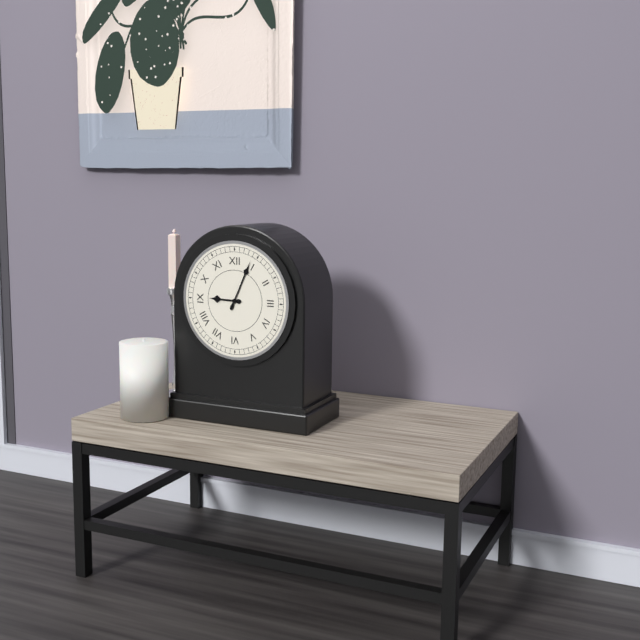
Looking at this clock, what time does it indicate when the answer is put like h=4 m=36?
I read h=9 m=4
